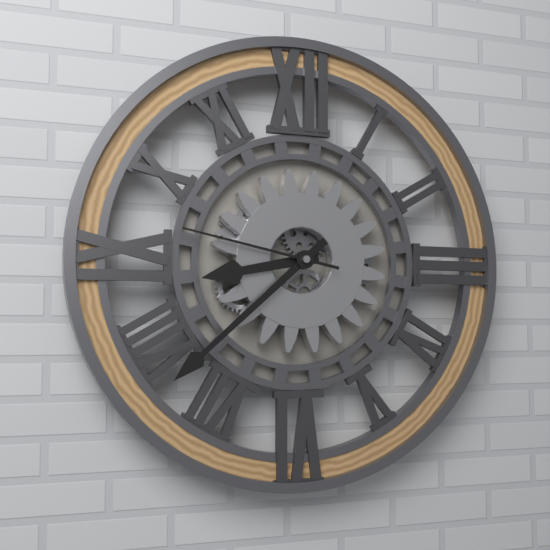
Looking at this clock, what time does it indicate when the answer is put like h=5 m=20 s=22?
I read h=8 m=38 s=47
